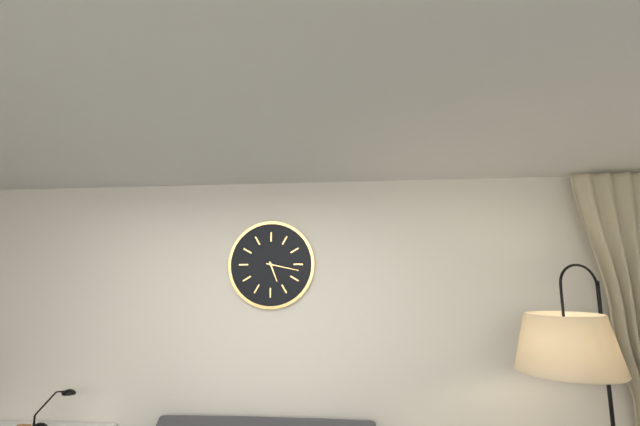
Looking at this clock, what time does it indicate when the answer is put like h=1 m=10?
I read h=5 m=17
